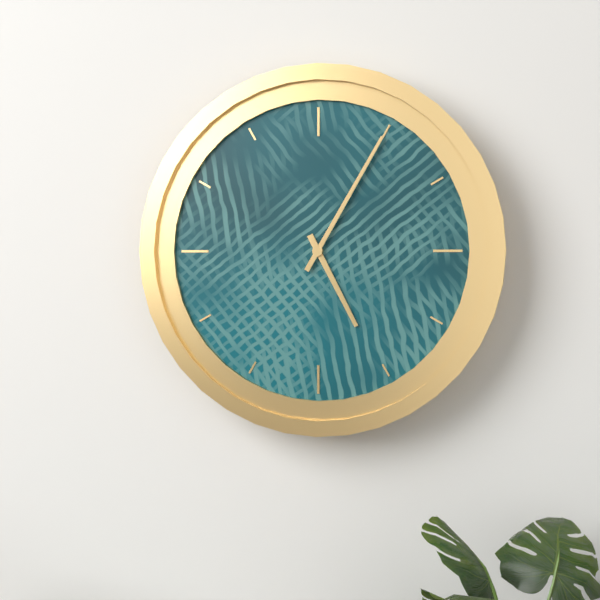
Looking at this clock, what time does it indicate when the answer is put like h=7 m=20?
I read h=5 m=5
